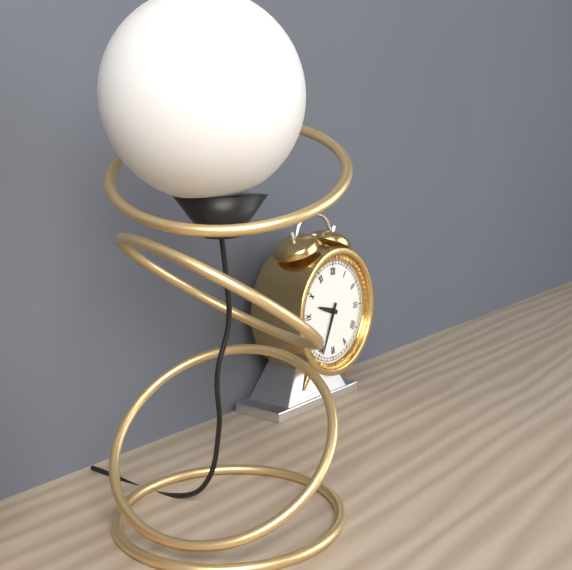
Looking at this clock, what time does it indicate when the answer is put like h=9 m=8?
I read h=9 m=34
